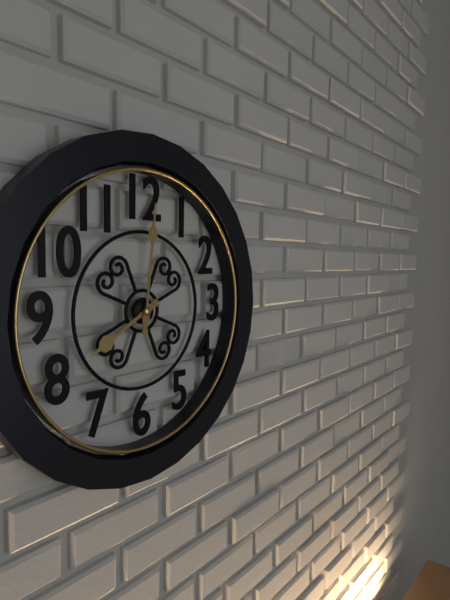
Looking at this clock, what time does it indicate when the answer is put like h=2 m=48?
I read h=8 m=1
